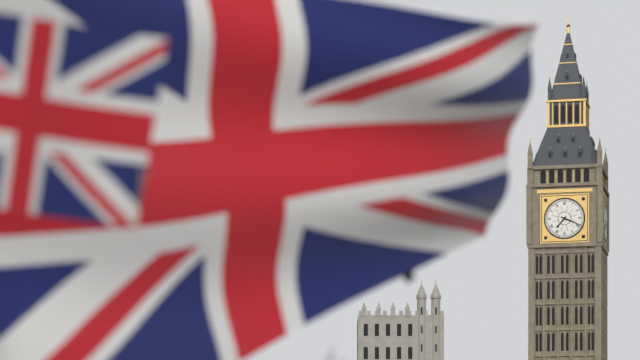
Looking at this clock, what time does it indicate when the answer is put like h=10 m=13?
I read h=7 m=19
